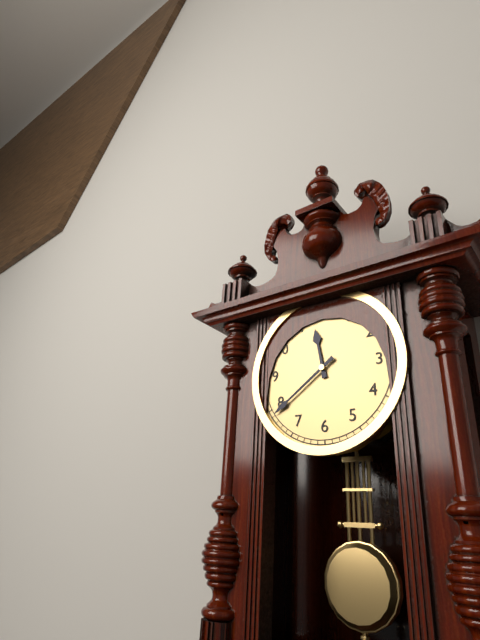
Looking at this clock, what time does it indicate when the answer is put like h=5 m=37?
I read h=11 m=39
